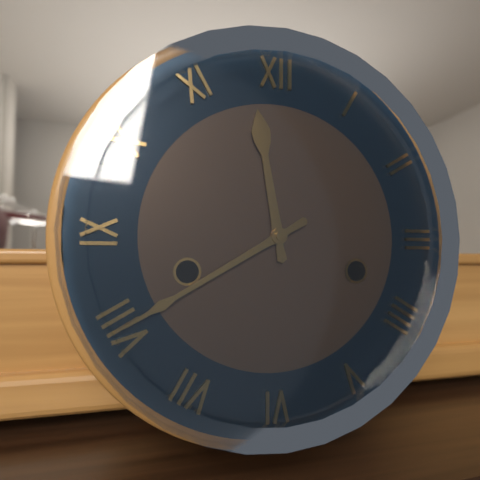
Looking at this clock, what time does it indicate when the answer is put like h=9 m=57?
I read h=11 m=40
